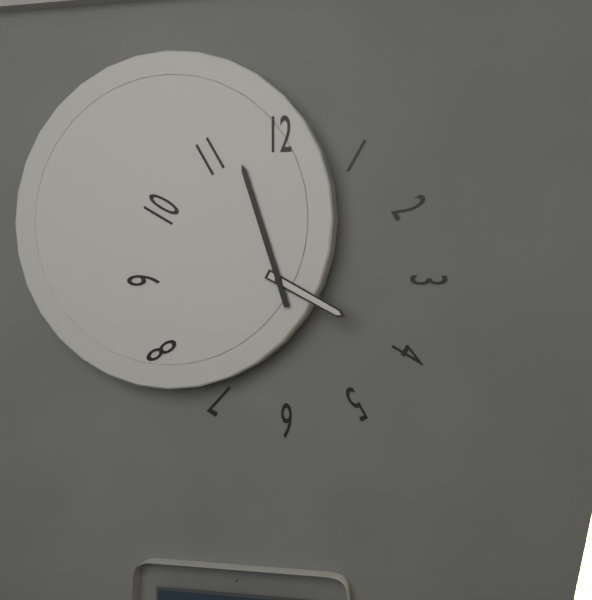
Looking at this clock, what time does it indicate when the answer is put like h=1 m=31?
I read h=3 m=57
